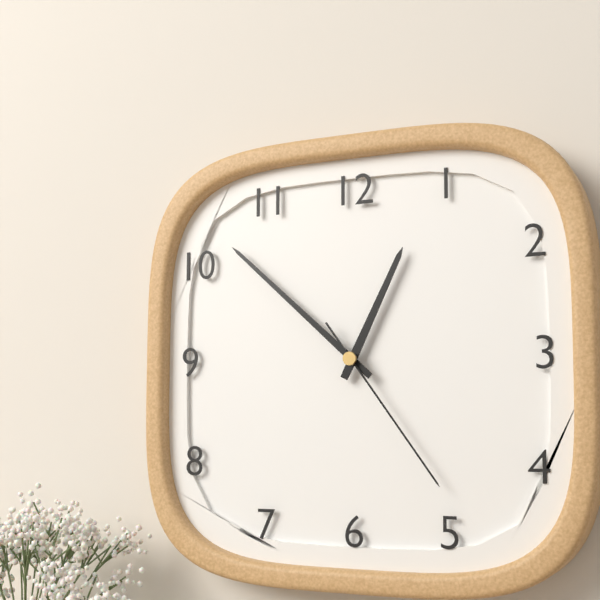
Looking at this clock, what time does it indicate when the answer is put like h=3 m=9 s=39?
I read h=12 m=52 s=24
